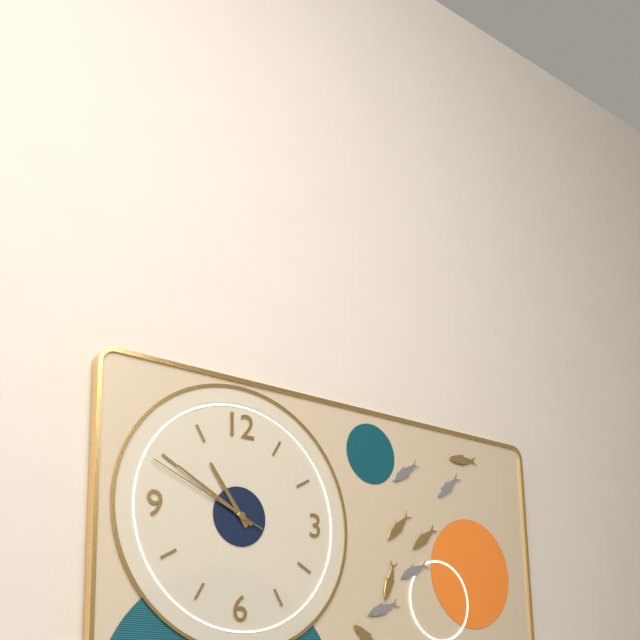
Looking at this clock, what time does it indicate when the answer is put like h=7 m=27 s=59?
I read h=10 m=50 s=49
